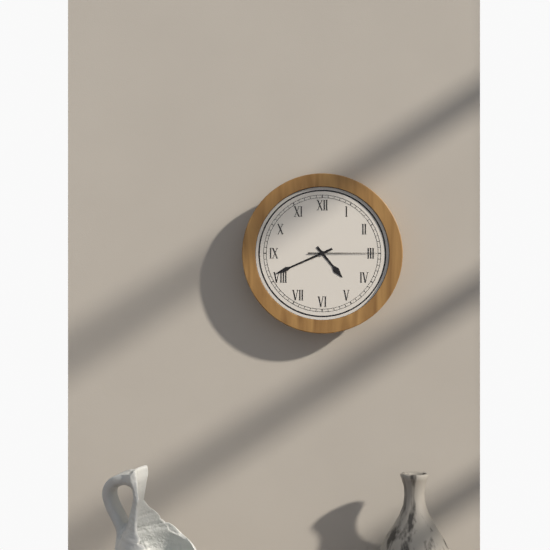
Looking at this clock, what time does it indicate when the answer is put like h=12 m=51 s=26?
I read h=4 m=41 s=15
